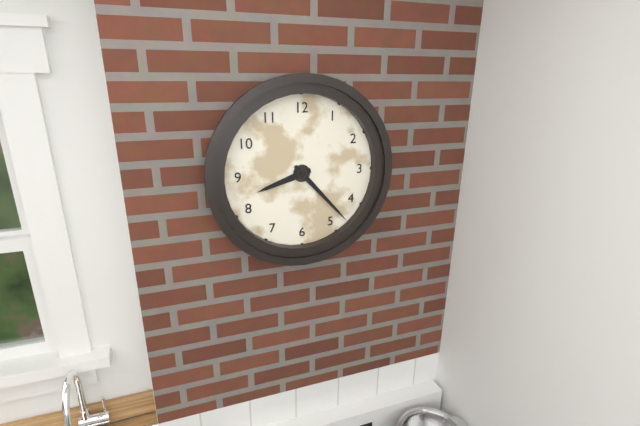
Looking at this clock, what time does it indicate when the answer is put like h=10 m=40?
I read h=8 m=23
